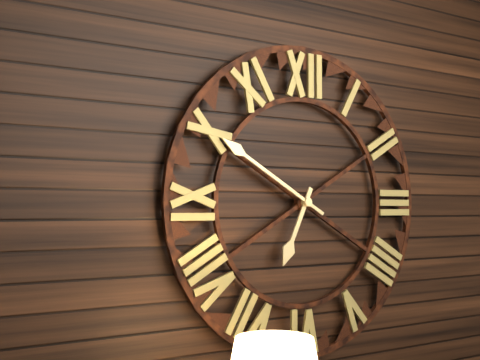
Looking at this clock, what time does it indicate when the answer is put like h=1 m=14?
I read h=6 m=50
